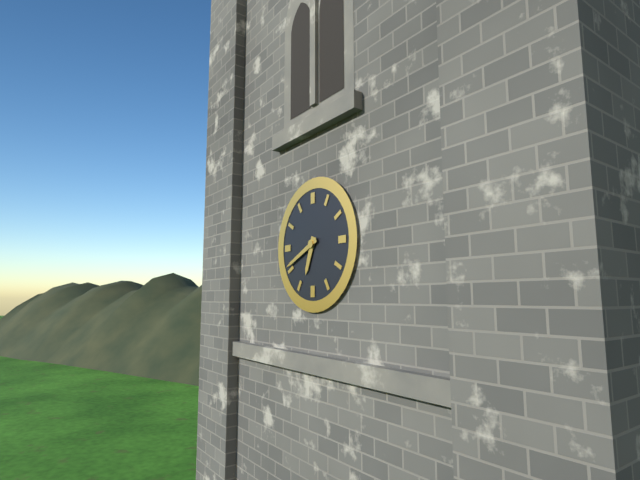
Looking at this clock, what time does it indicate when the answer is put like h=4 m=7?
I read h=6 m=41
